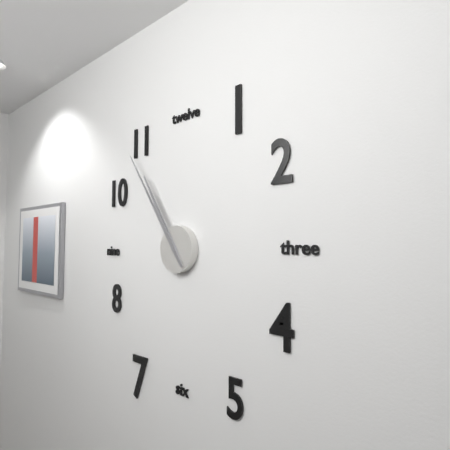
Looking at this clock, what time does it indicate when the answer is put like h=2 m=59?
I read h=10 m=54
